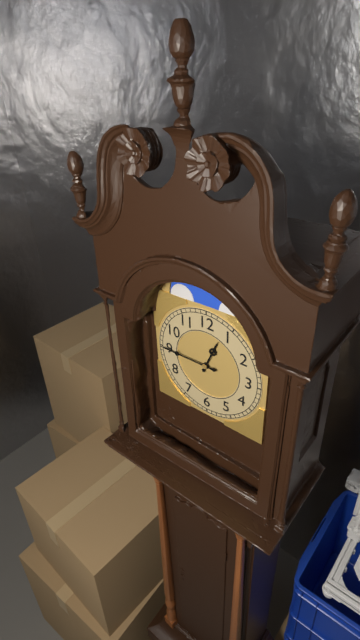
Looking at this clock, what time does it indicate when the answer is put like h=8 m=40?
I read h=12 m=45
